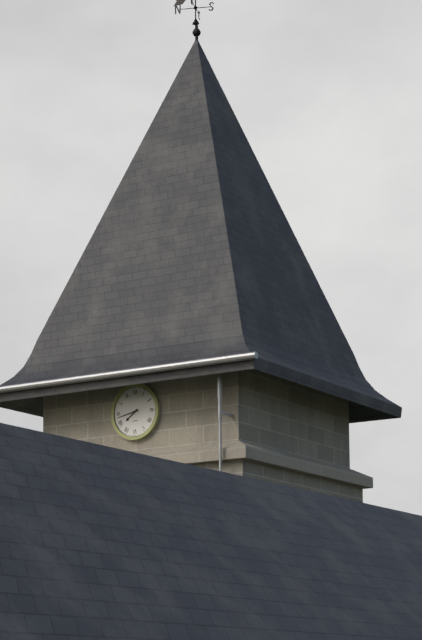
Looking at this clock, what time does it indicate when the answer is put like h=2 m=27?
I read h=7 m=43
